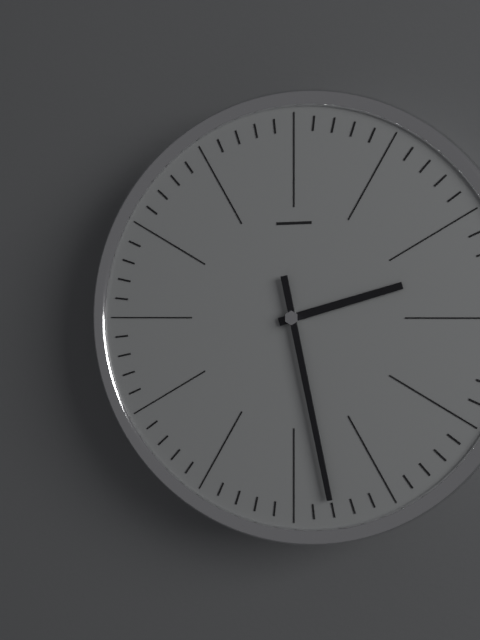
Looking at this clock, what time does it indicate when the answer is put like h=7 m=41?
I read h=2 m=28
